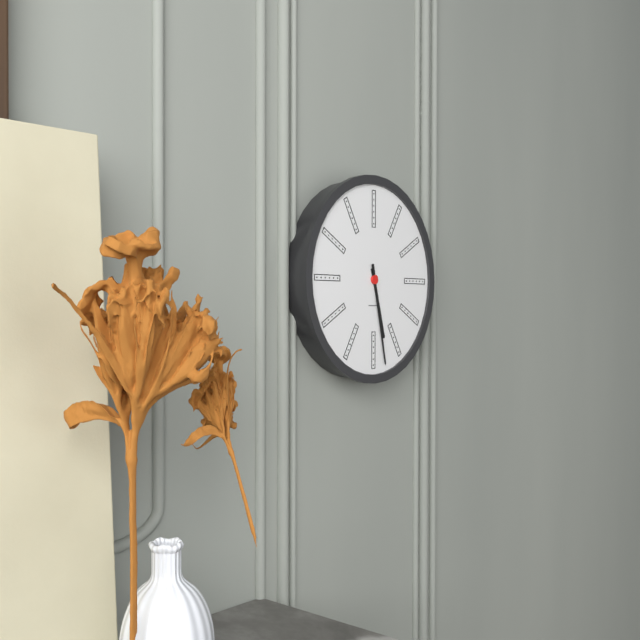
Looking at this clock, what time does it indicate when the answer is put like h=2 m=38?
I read h=5 m=28
